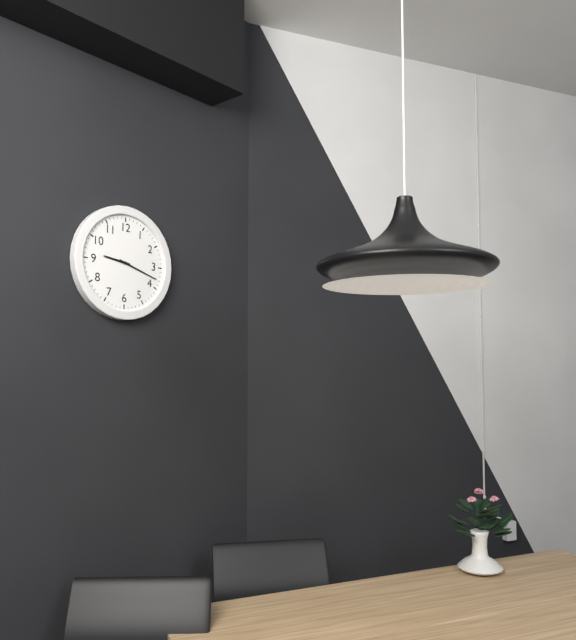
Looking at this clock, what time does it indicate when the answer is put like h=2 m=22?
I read h=9 m=18
